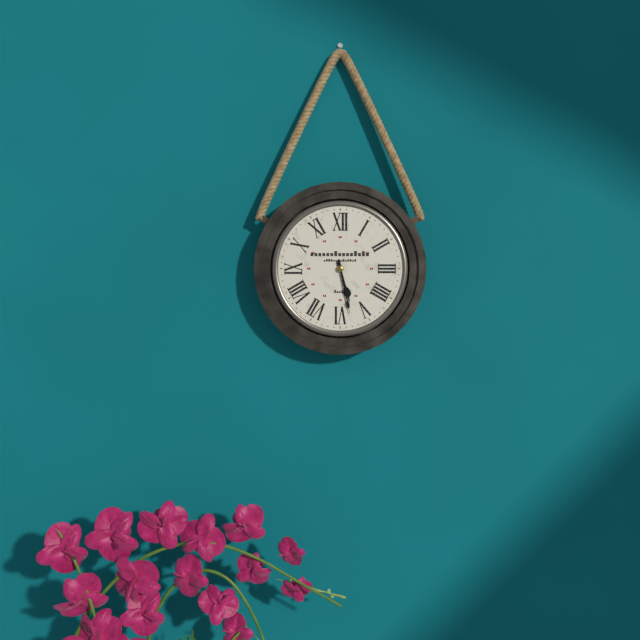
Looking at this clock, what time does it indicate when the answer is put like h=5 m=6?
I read h=5 m=28
